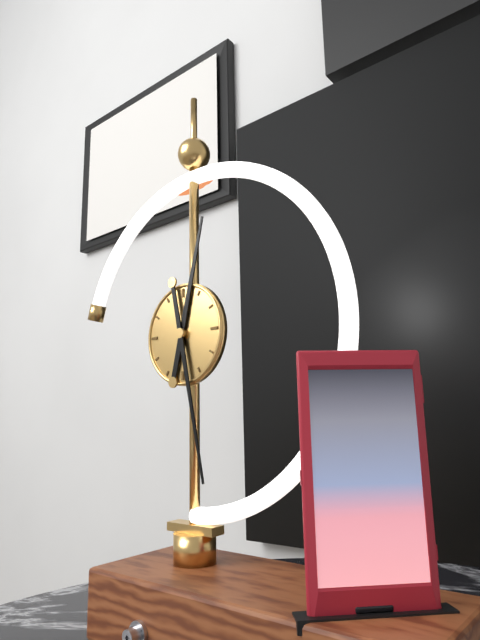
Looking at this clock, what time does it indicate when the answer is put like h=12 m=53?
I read h=12 m=28
